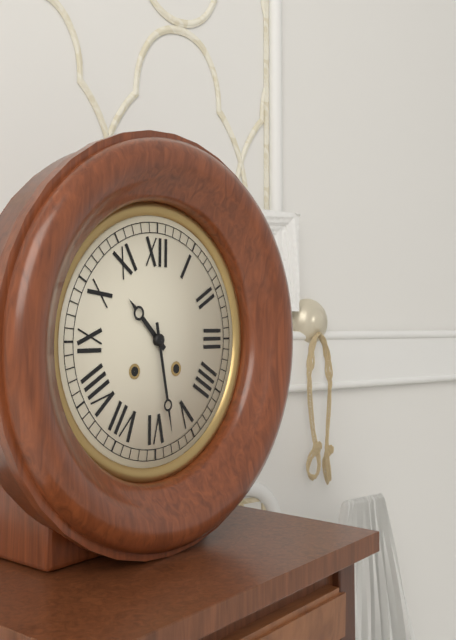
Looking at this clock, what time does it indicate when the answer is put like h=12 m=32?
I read h=10 m=28
